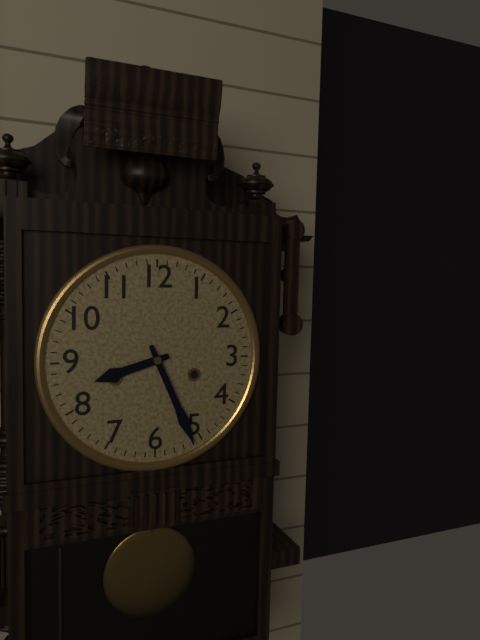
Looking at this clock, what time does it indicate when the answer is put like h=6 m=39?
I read h=8 m=26
